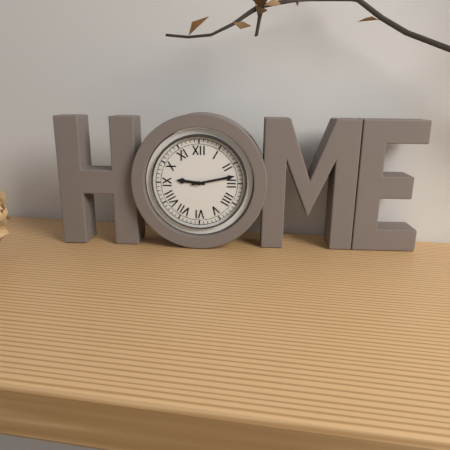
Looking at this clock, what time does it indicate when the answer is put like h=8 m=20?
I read h=9 m=13
